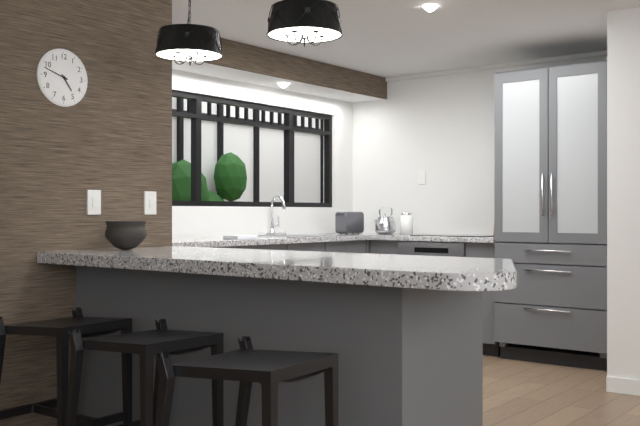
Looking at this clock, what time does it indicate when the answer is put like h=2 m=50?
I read h=4 m=48
